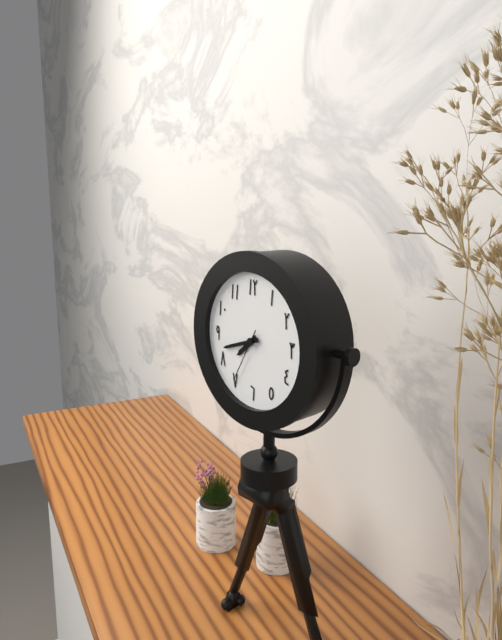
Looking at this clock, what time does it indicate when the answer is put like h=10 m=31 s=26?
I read h=7 m=42 s=35
